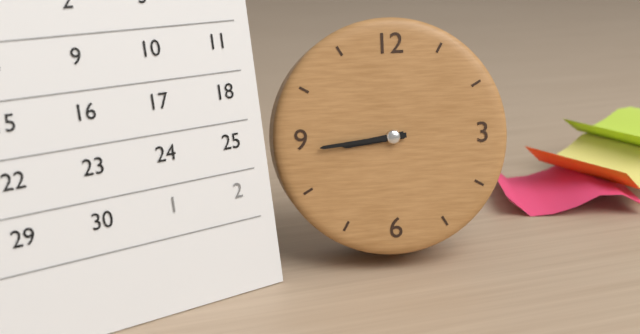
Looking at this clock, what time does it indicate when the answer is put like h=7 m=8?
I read h=8 m=44
